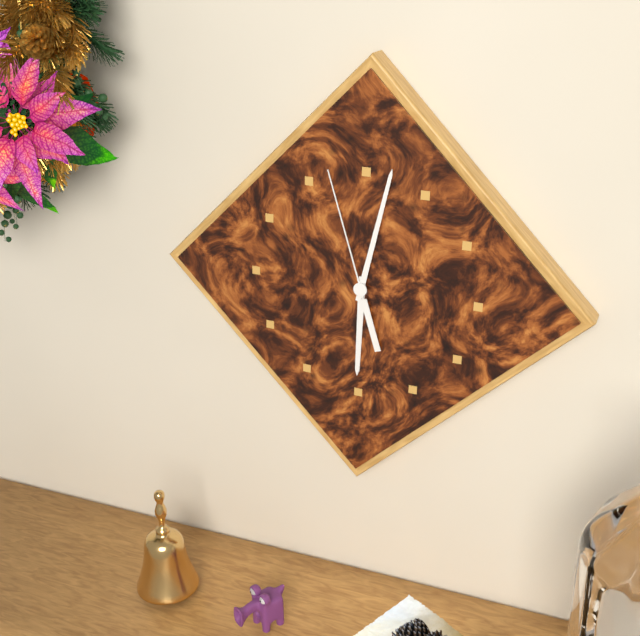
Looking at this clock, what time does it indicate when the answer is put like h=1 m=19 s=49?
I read h=6 m=2 s=57
